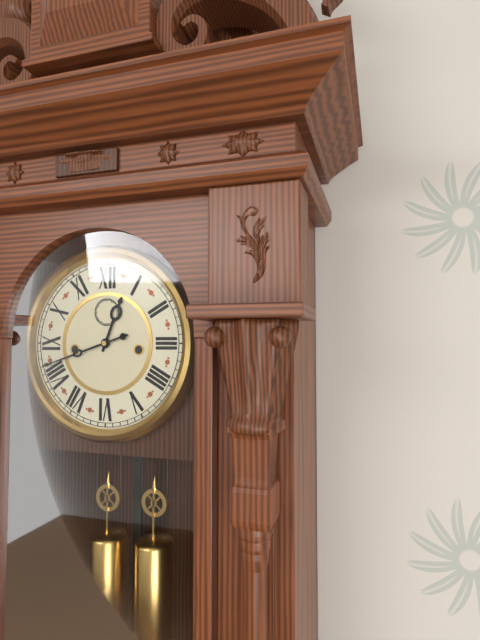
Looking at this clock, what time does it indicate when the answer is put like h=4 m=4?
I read h=12 m=42
